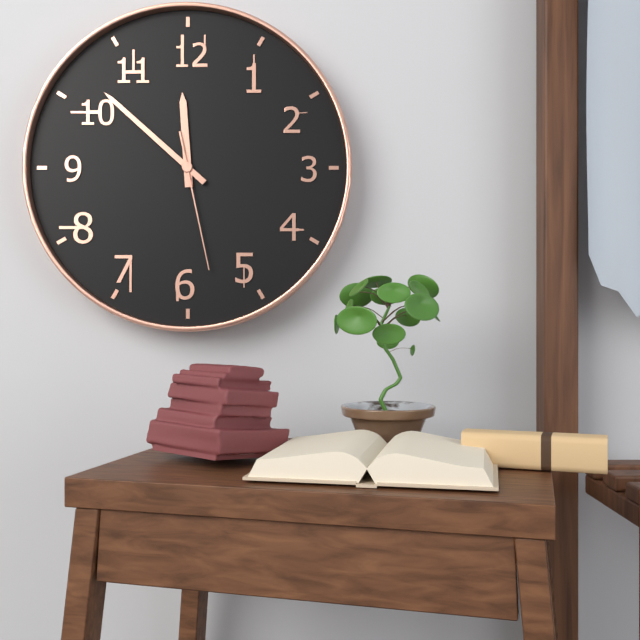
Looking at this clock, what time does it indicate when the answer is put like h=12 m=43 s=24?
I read h=11 m=52 s=28
